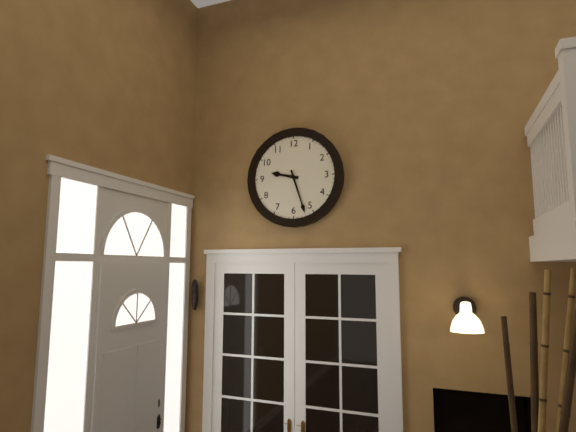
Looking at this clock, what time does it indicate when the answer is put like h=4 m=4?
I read h=9 m=27
